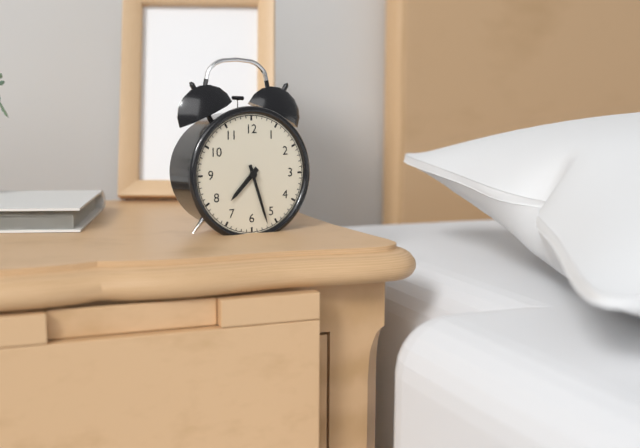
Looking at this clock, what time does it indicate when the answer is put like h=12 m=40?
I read h=7 m=27
